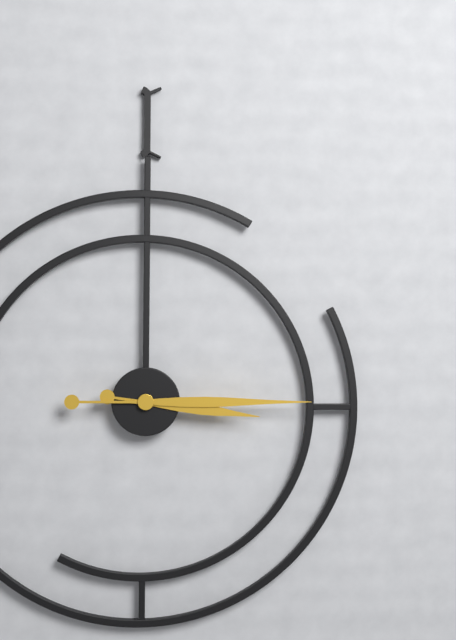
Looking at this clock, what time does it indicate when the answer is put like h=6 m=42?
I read h=3 m=15
